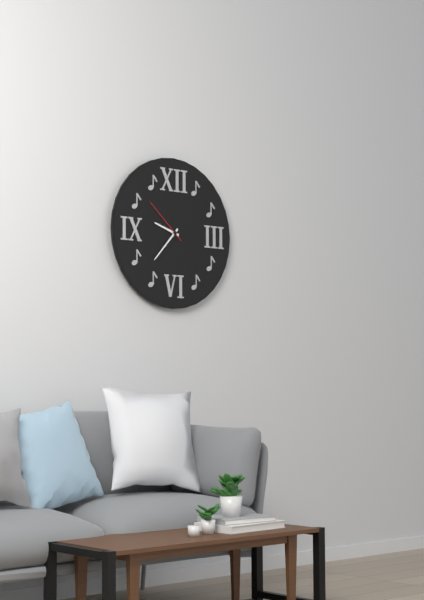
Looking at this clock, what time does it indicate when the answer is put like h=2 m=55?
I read h=9 m=37
